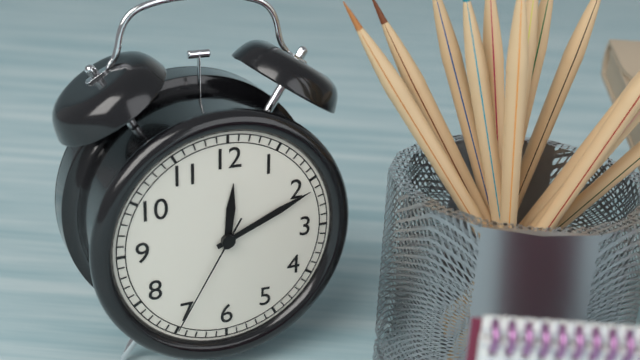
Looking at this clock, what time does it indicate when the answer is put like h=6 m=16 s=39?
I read h=12 m=11 s=35
